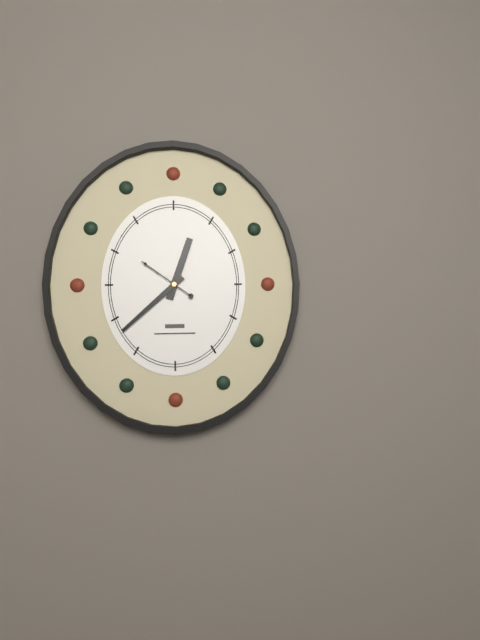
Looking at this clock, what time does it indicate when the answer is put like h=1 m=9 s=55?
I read h=12 m=38 s=51
